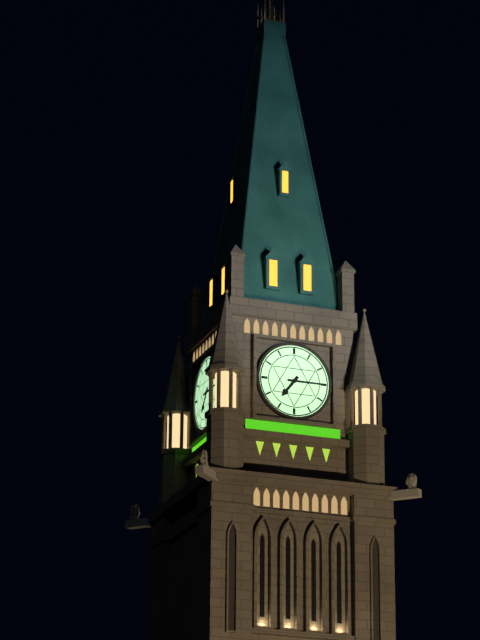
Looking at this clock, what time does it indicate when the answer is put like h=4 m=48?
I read h=7 m=15
